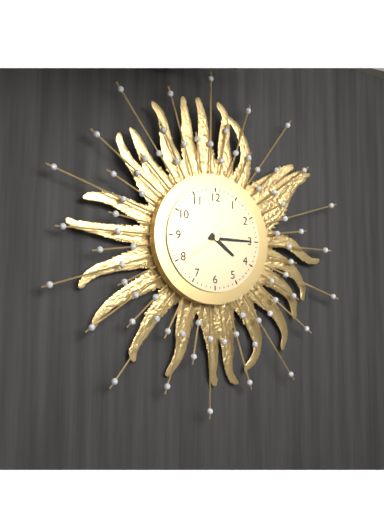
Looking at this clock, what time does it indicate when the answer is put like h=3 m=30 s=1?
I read h=4 m=15 s=39
